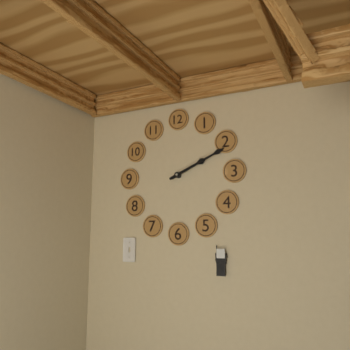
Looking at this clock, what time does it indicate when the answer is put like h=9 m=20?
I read h=2 m=11
